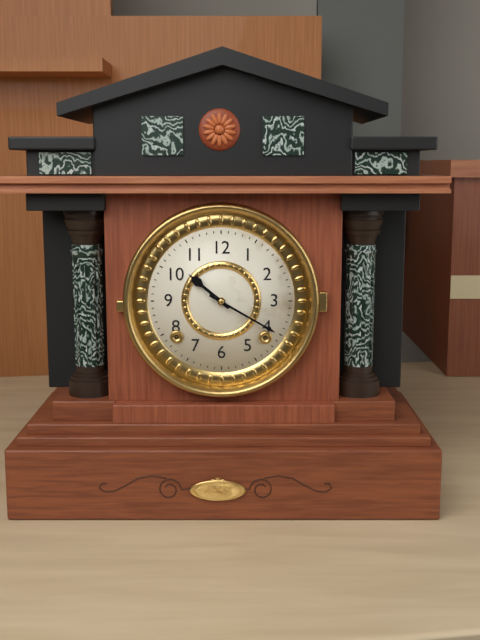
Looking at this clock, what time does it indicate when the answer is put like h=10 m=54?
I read h=10 m=20
